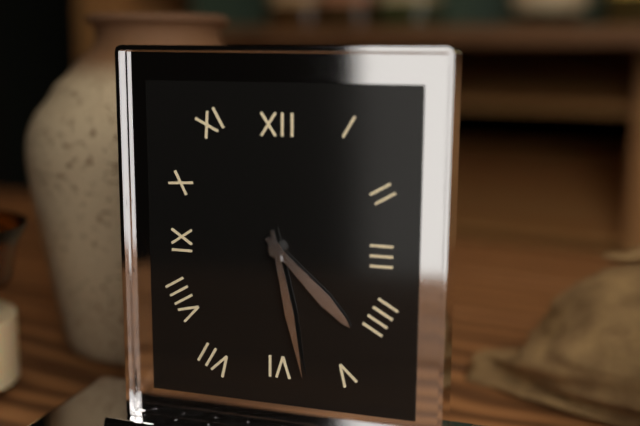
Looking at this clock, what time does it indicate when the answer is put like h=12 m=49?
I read h=4 m=28
